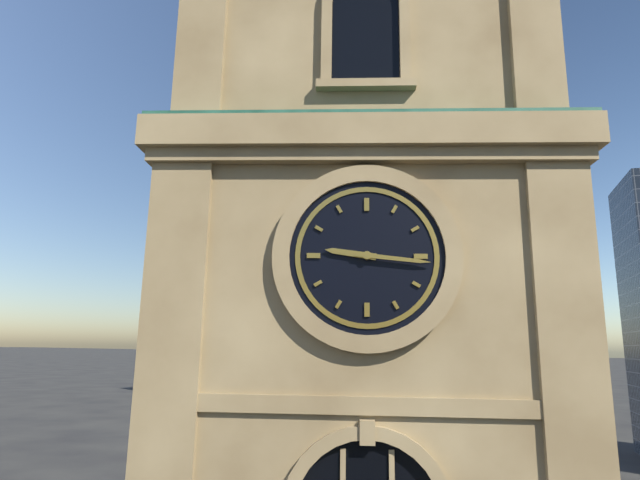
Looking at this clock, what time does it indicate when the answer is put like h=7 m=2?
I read h=9 m=16
